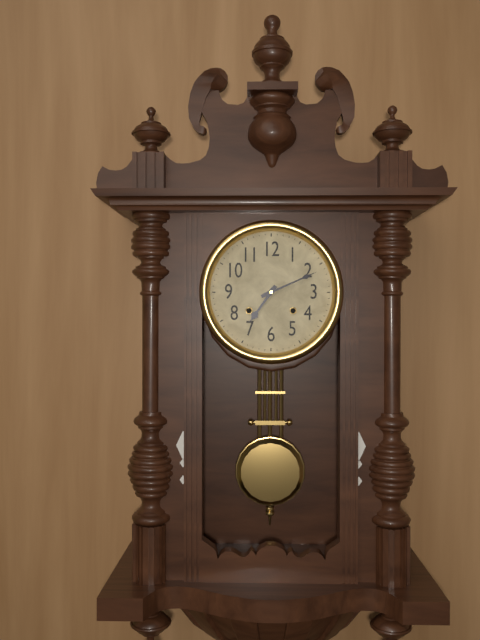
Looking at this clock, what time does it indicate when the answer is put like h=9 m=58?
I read h=7 m=11
